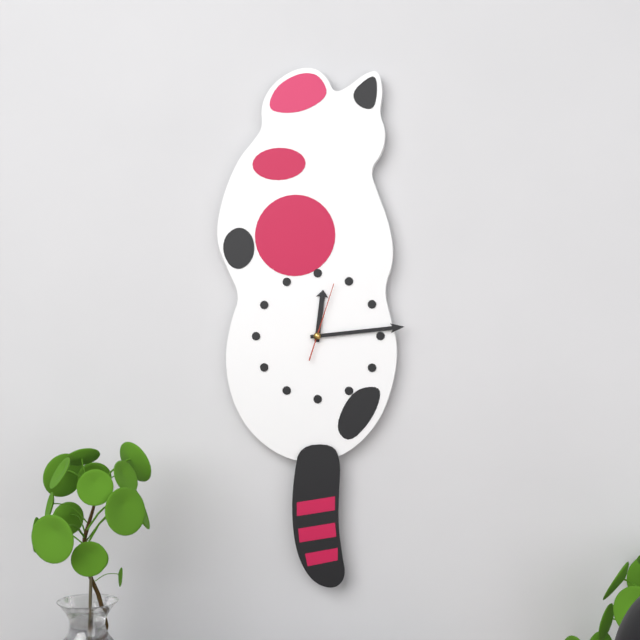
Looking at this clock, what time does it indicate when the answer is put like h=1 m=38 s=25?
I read h=12 m=14 s=3
